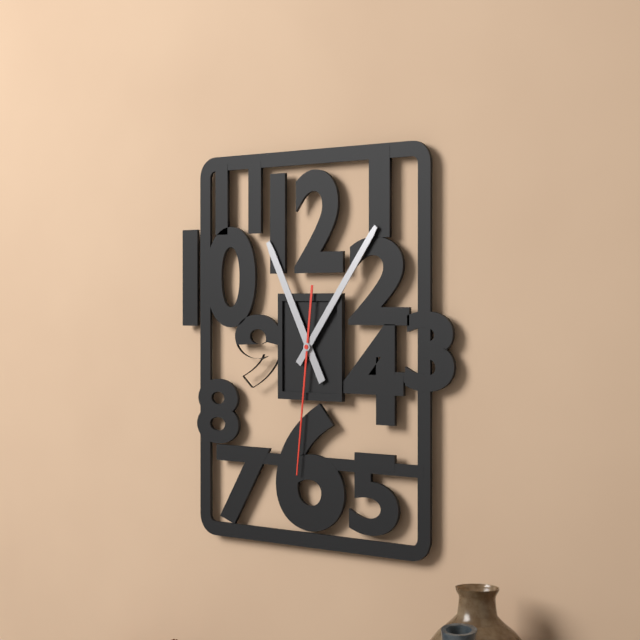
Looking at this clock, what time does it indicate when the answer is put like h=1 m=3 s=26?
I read h=11 m=6 s=31
